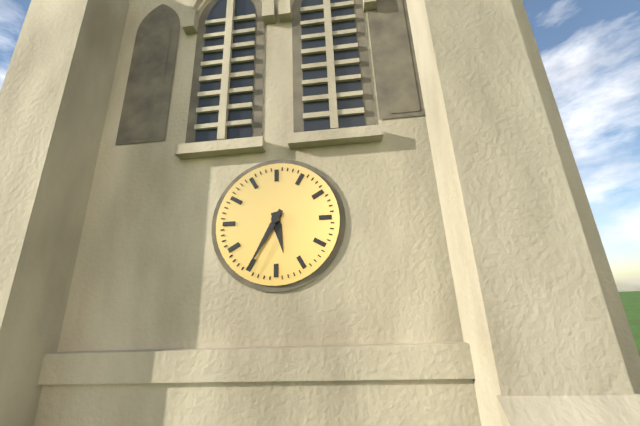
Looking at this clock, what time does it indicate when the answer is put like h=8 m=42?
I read h=5 m=35
